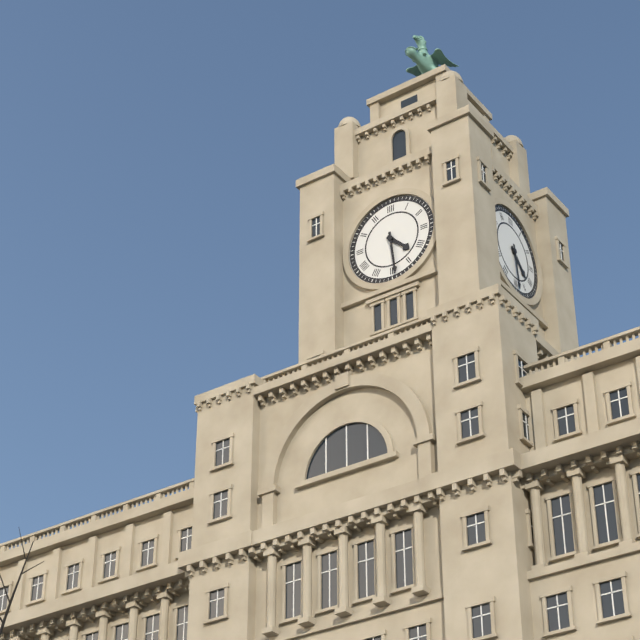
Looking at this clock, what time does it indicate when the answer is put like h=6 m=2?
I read h=4 m=29
